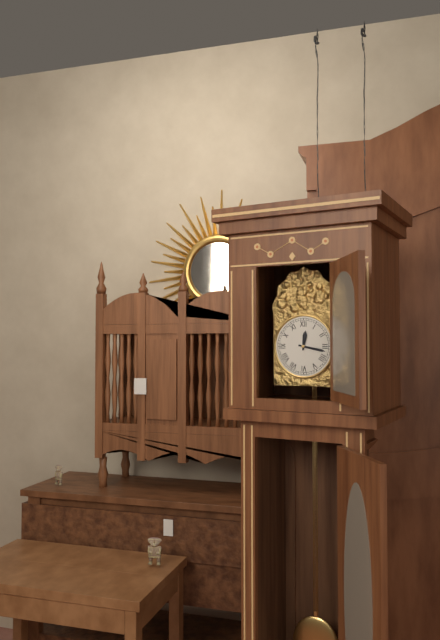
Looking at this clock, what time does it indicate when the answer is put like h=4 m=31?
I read h=12 m=17
